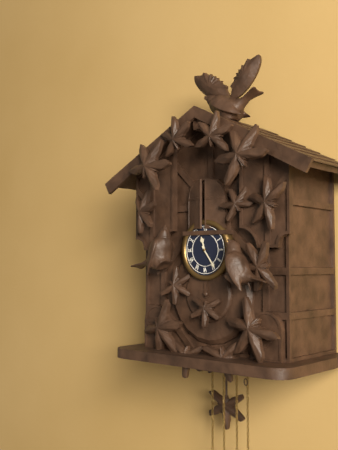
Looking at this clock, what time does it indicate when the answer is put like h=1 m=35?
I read h=11 m=24
